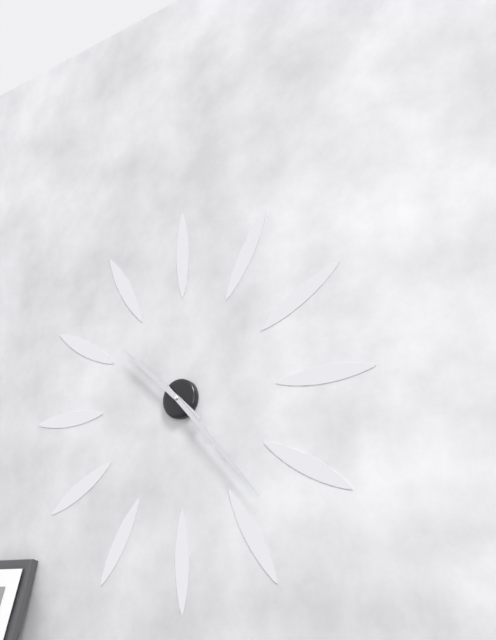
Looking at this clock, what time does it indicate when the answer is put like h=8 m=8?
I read h=10 m=23
